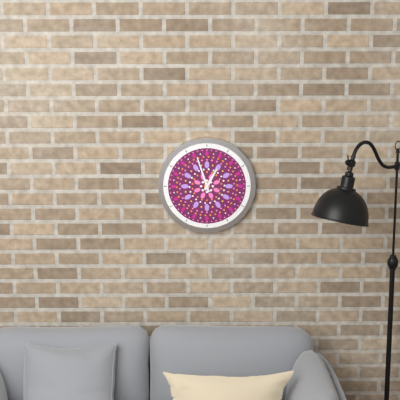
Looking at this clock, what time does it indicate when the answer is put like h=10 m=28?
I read h=12 m=57
